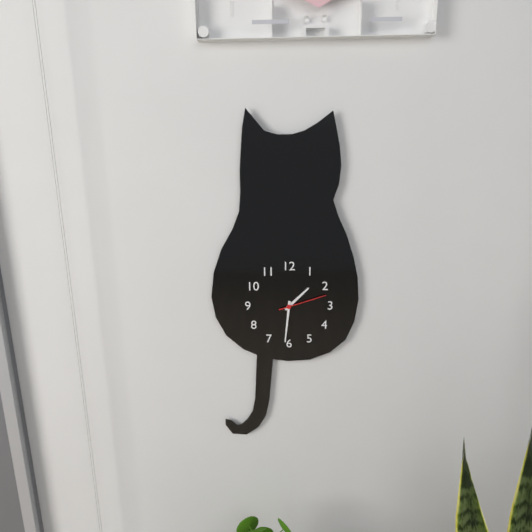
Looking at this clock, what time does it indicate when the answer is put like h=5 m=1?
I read h=1 m=31
